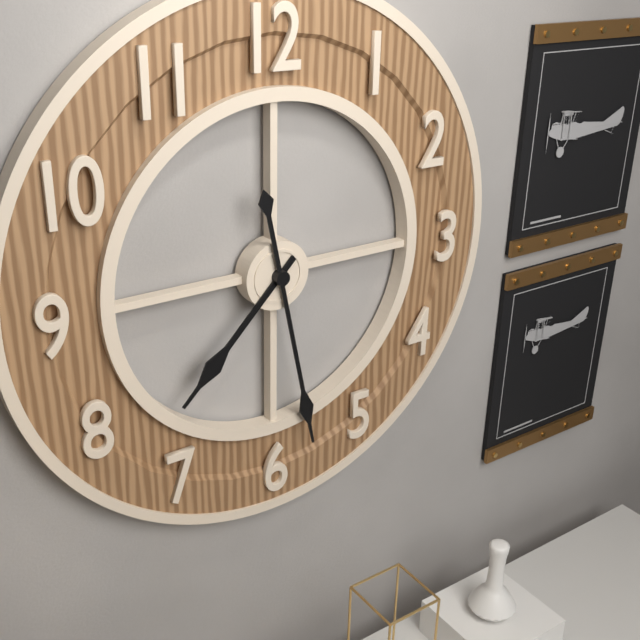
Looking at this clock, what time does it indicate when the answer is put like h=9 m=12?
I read h=7 m=28
